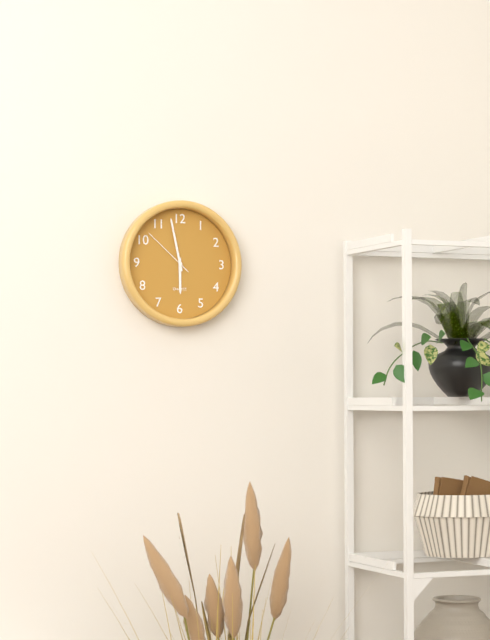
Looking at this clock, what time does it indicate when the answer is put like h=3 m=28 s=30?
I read h=5 m=58 s=52
